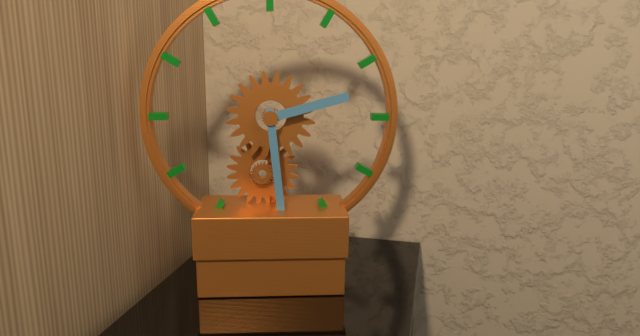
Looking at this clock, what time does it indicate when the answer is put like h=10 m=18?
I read h=2 m=29
